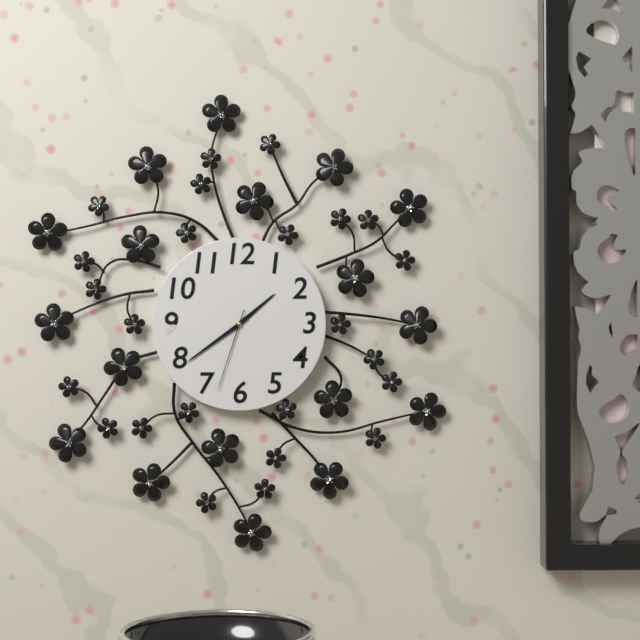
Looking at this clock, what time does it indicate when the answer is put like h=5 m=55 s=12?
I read h=1 m=39 s=33
